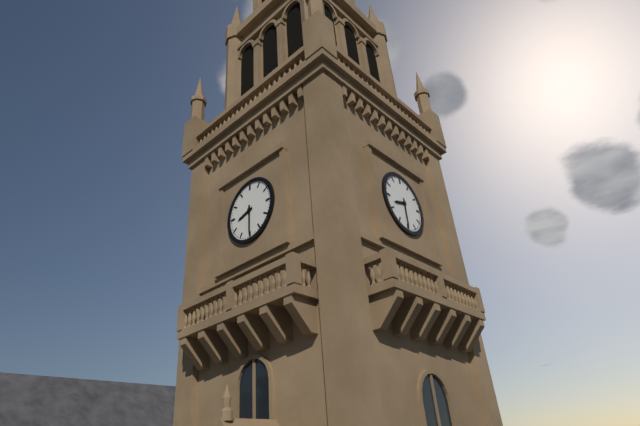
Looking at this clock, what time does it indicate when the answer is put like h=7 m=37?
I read h=8 m=30
